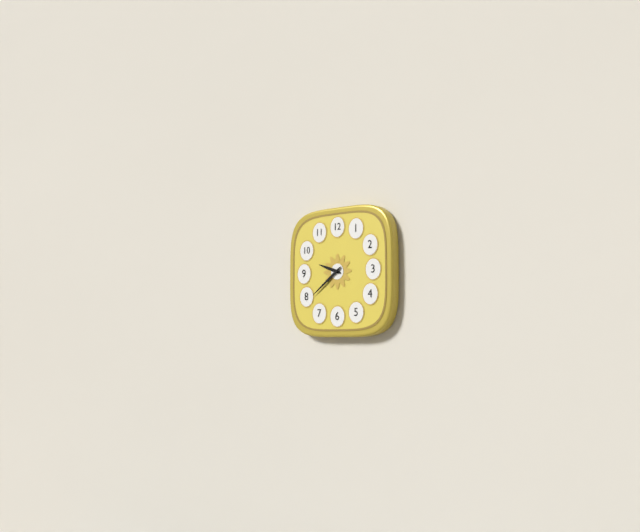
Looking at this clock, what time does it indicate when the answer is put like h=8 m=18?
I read h=9 m=39
